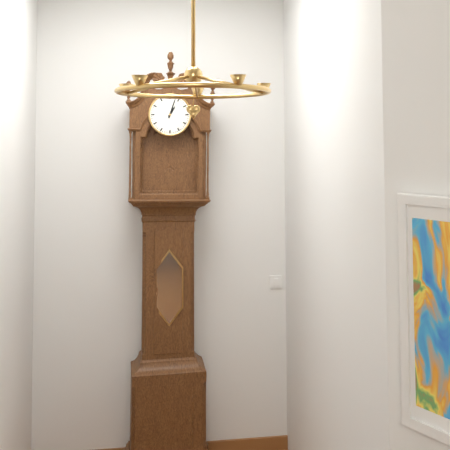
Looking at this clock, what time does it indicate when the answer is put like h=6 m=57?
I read h=1 m=3
